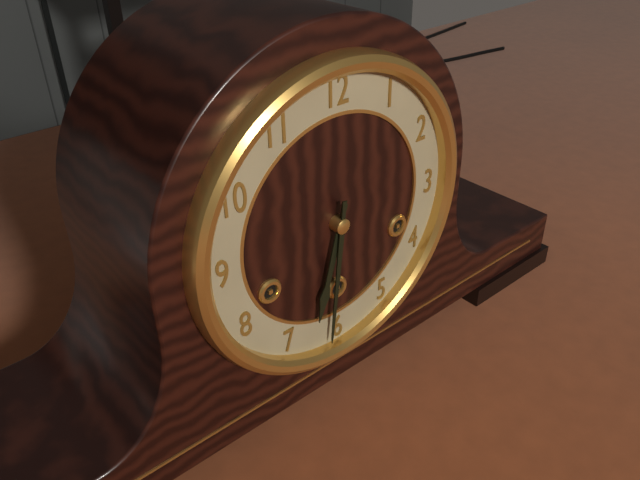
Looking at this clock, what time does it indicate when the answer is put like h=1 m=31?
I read h=6 m=31
